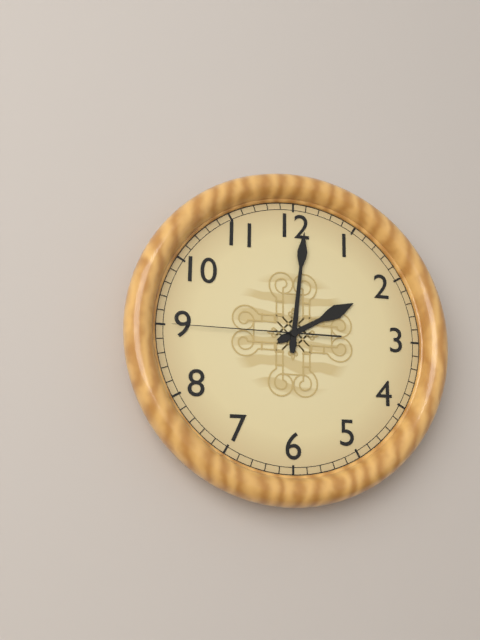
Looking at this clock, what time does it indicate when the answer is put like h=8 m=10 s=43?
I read h=2 m=1 s=45
